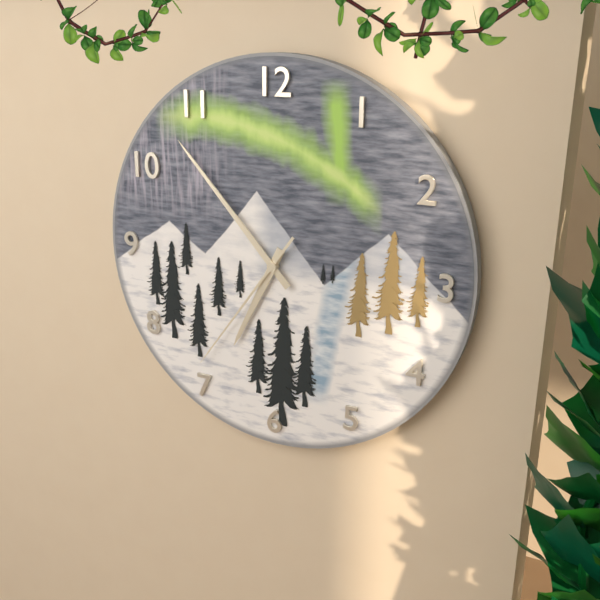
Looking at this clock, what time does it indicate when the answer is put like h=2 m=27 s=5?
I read h=6 m=53 s=36
